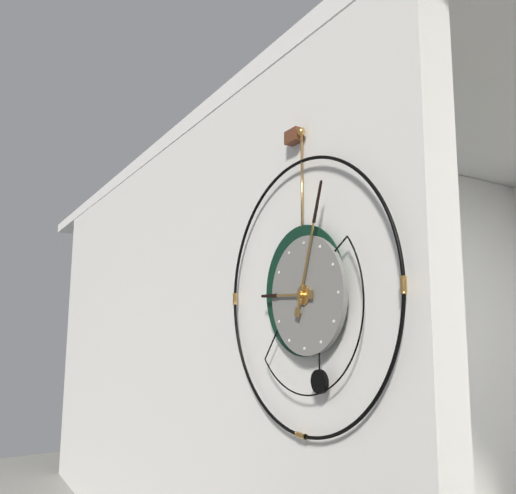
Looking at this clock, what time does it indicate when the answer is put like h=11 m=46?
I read h=9 m=3
